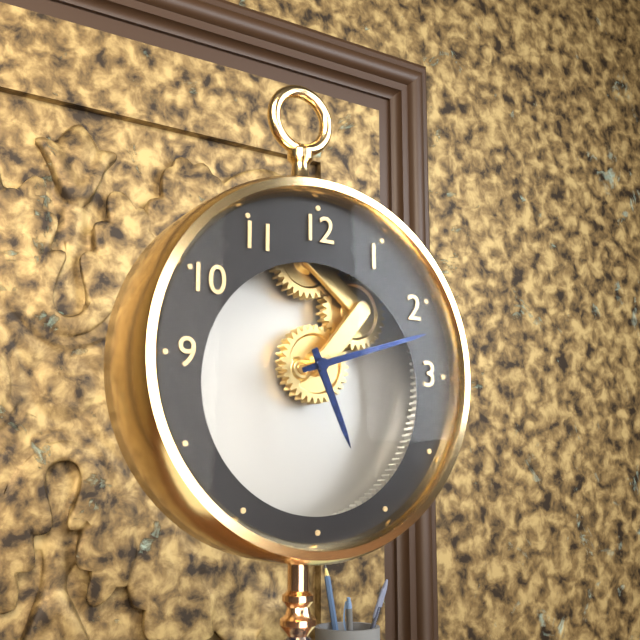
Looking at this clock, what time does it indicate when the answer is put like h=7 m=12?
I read h=5 m=12
